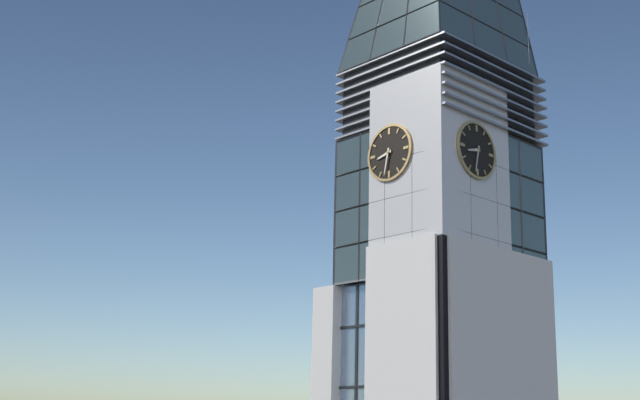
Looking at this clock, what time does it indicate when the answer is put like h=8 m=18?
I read h=8 m=32
